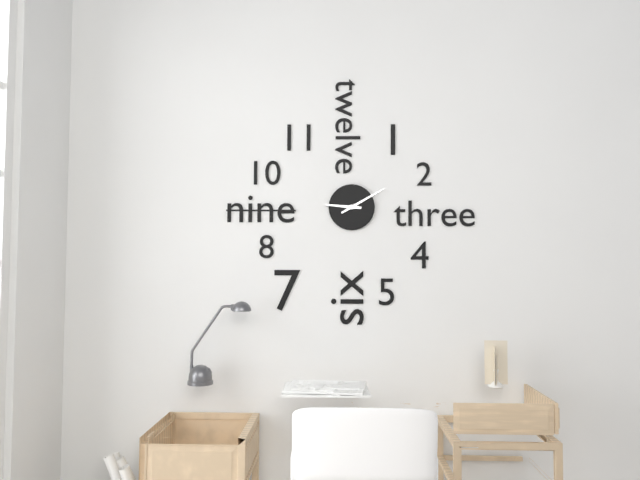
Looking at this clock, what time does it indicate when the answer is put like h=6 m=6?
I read h=9 m=10
